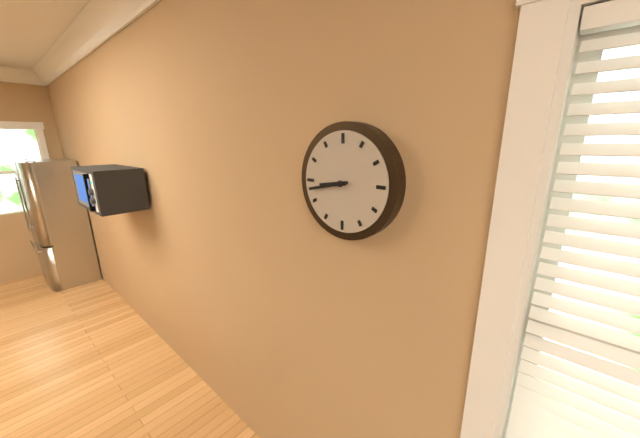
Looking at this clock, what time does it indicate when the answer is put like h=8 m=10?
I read h=8 m=43
